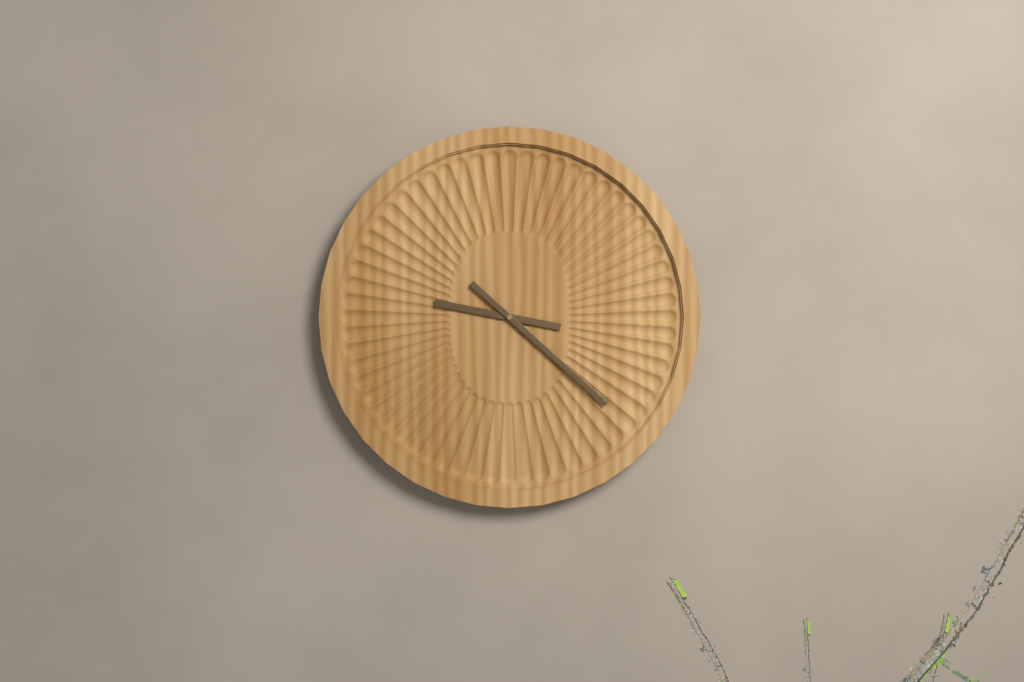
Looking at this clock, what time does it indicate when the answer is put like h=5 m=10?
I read h=9 m=22
